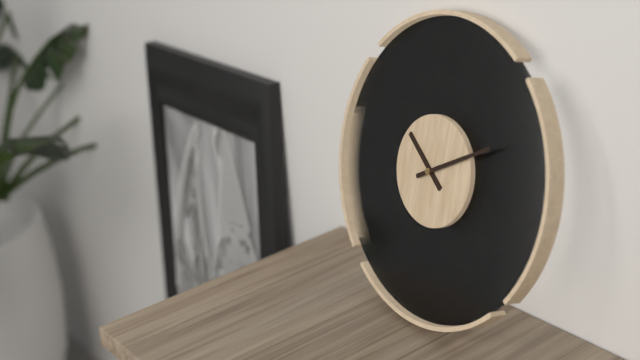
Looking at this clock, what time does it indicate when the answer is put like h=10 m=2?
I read h=10 m=10
